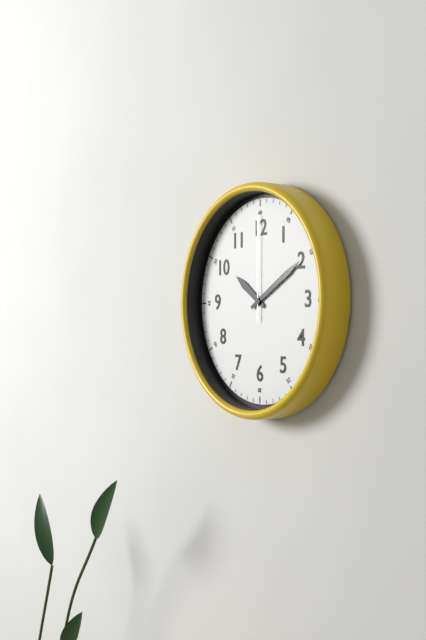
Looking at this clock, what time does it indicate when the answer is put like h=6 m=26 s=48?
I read h=10 m=10 s=0
